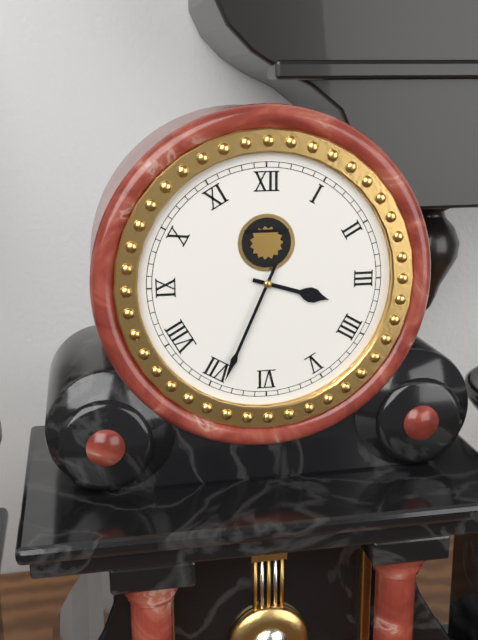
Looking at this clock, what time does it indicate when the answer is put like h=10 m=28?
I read h=3 m=34
